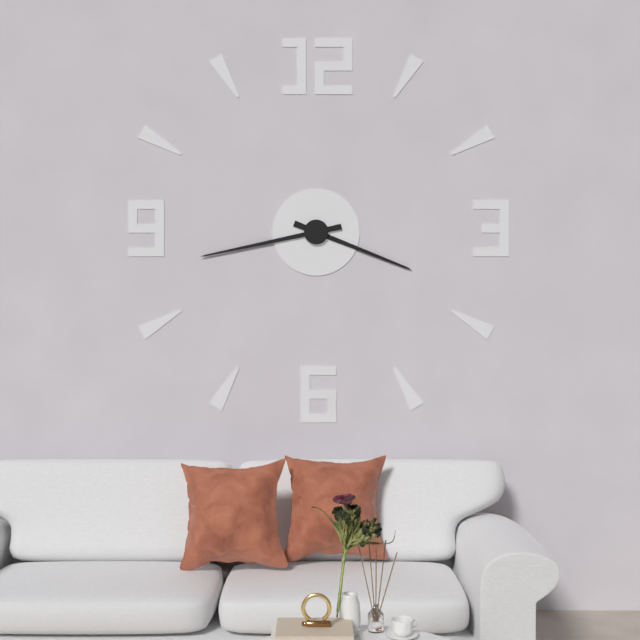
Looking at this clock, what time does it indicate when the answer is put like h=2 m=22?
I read h=3 m=43
